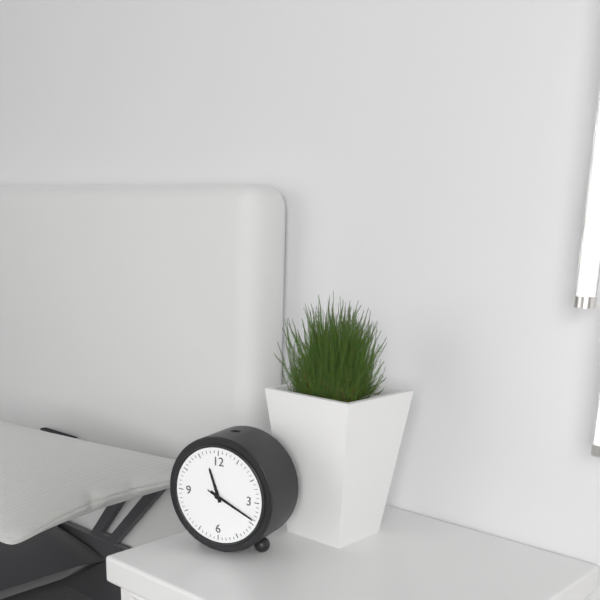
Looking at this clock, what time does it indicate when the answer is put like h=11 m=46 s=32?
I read h=11 m=19 s=19
